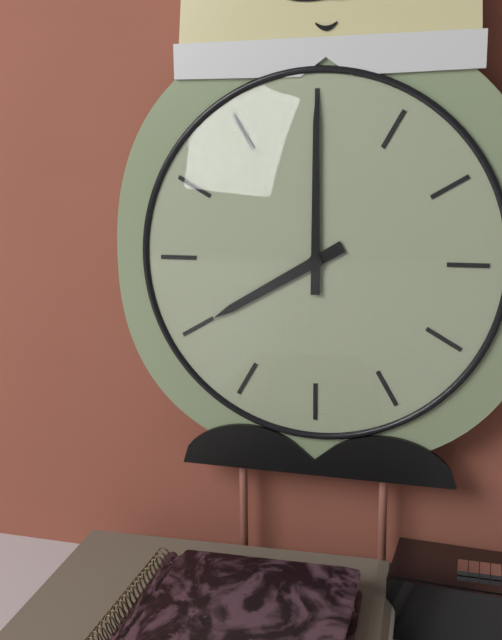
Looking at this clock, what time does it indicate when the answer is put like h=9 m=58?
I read h=8 m=0
